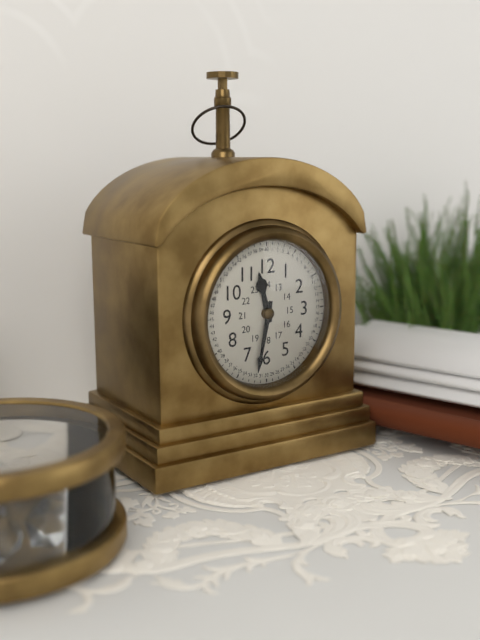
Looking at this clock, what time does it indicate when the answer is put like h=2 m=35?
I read h=11 m=32
